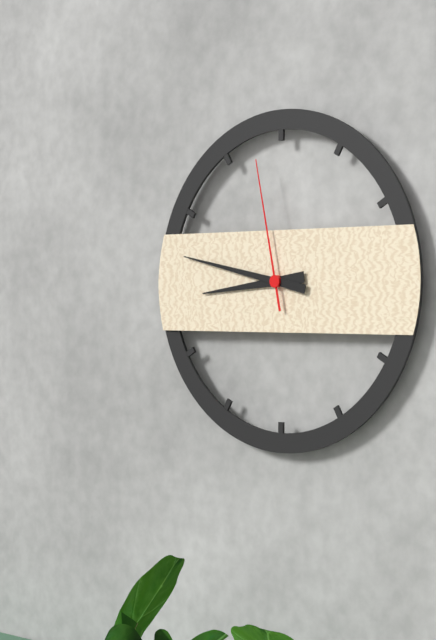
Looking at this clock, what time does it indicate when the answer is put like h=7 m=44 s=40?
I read h=8 m=47 s=58
